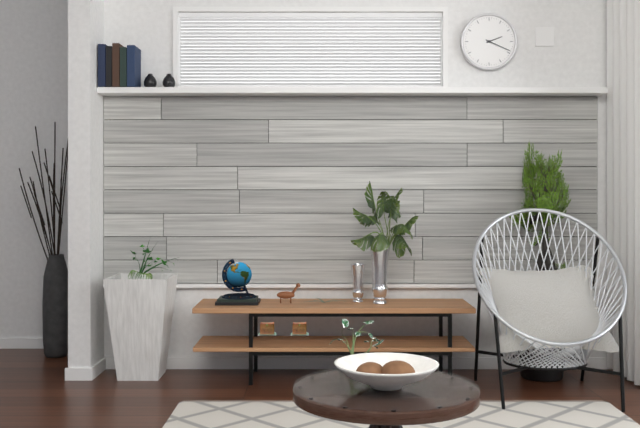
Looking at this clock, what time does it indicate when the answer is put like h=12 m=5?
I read h=2 m=19
